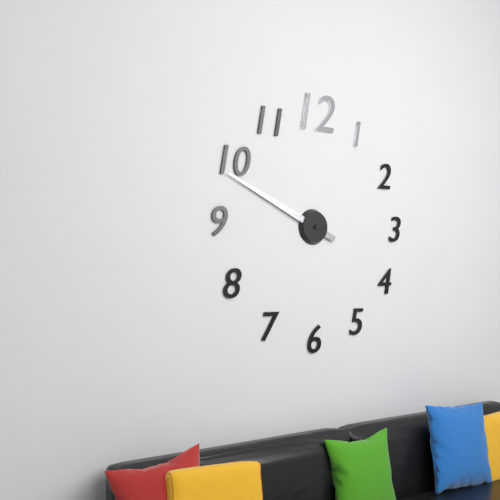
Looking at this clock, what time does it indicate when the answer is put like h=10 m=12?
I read h=9 m=49
